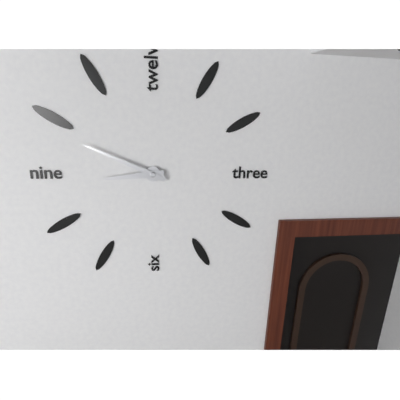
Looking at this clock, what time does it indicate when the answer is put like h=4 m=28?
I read h=8 m=49
